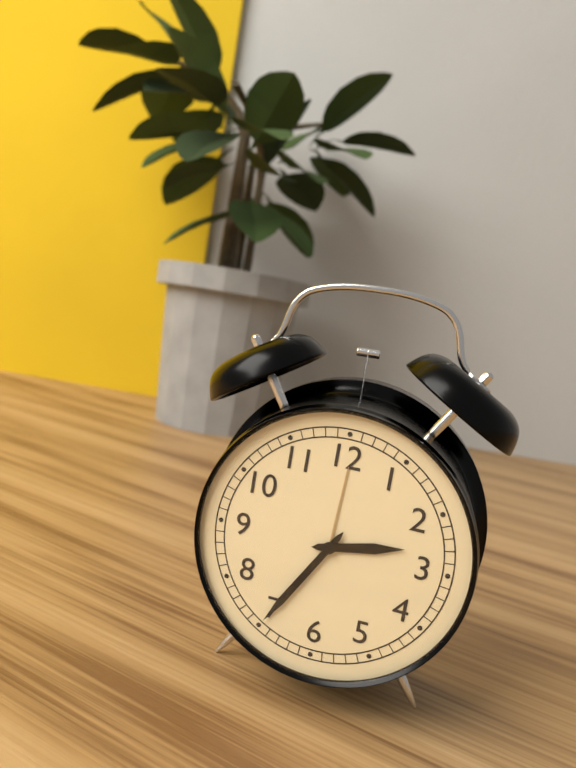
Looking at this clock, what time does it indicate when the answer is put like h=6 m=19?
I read h=2 m=35
